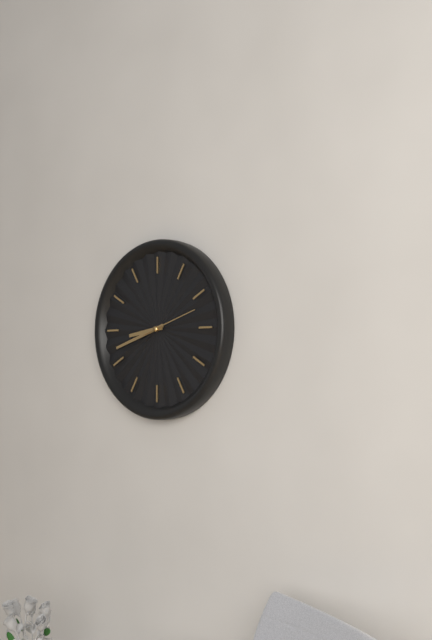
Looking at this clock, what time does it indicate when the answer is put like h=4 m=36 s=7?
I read h=8 m=42 s=12
